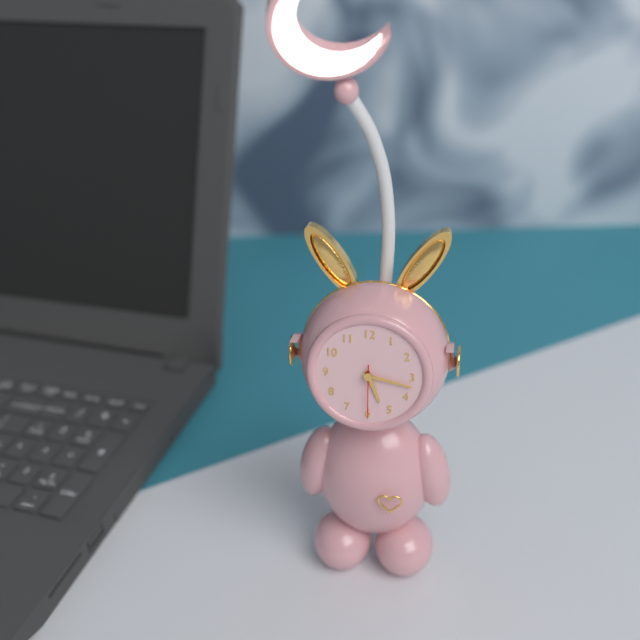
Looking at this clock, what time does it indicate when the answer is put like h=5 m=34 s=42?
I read h=5 m=17 s=30
